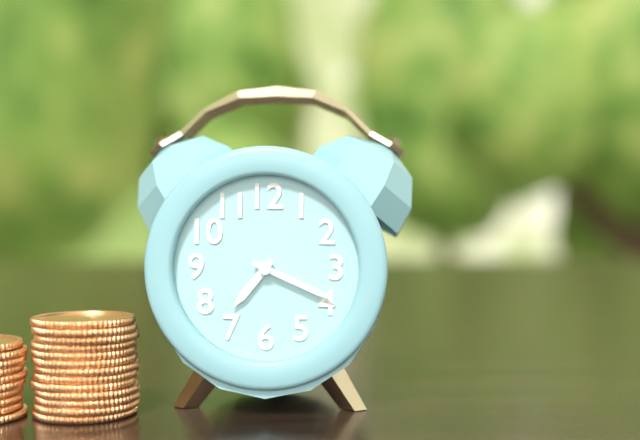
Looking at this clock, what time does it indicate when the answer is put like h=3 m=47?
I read h=7 m=19
